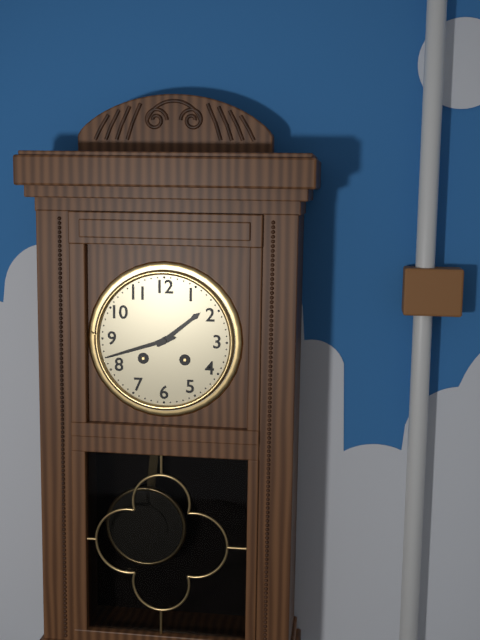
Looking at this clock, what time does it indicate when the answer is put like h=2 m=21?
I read h=1 m=42
